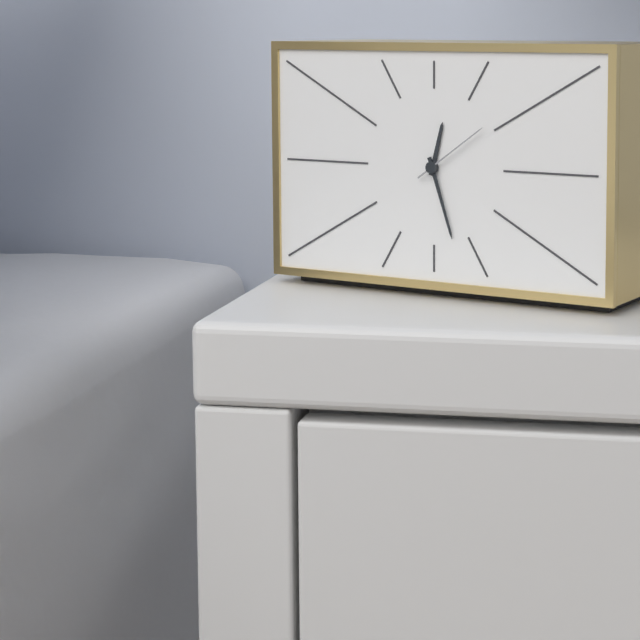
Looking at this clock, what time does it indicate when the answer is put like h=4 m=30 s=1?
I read h=12 m=27 s=9
